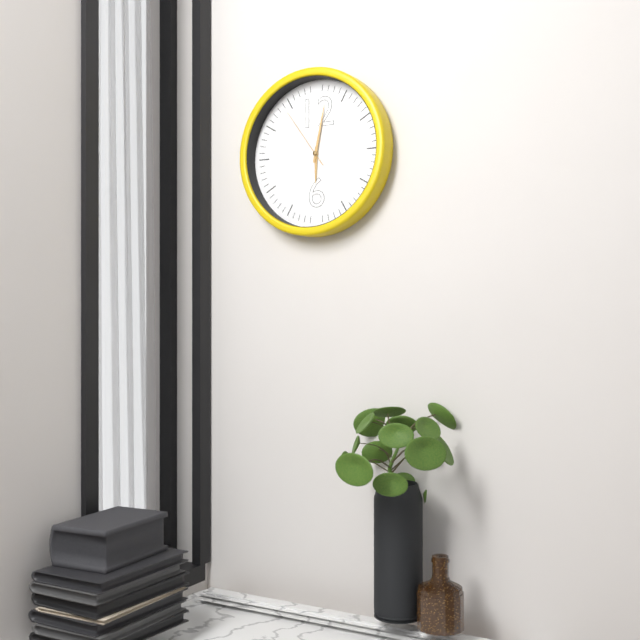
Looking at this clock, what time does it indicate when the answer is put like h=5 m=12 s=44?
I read h=6 m=2 s=54
